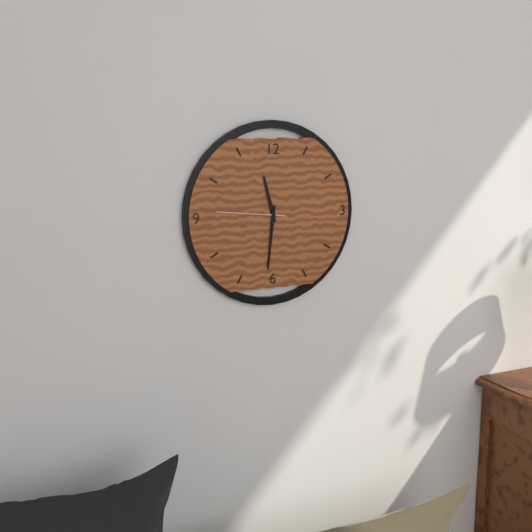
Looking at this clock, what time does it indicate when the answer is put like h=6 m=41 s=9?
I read h=11 m=31 s=46
